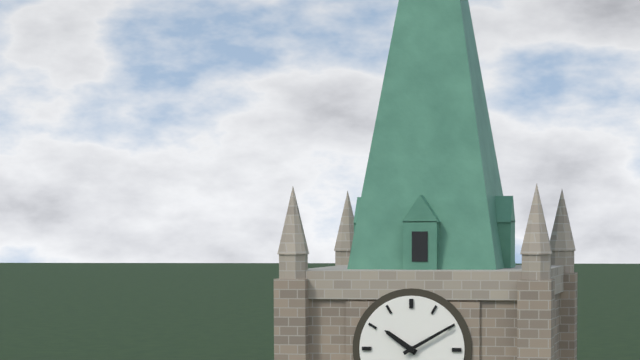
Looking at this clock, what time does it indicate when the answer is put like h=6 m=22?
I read h=10 m=10
